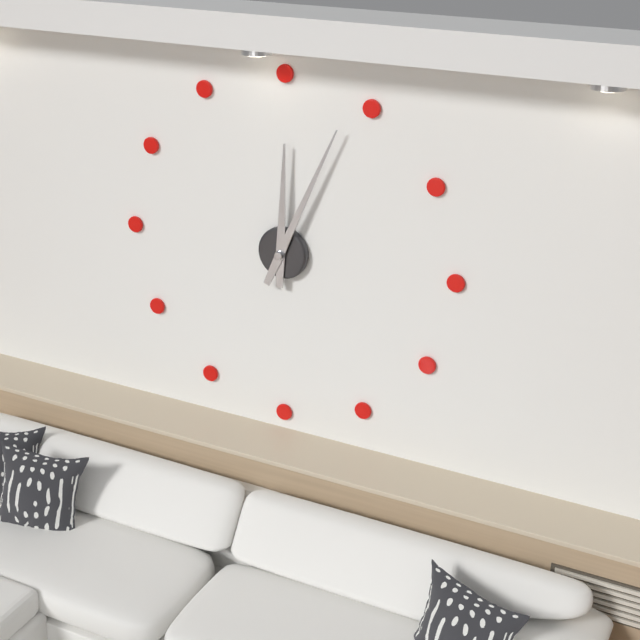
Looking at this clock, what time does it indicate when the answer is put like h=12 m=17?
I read h=12 m=4
